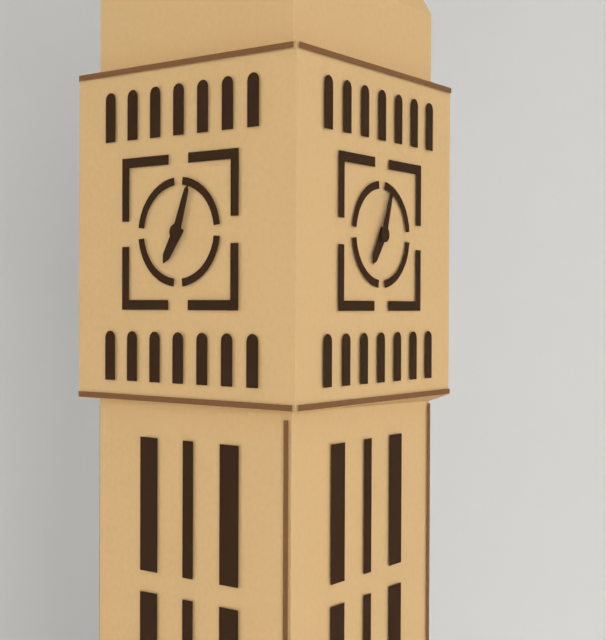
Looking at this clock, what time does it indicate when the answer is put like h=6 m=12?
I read h=7 m=3
